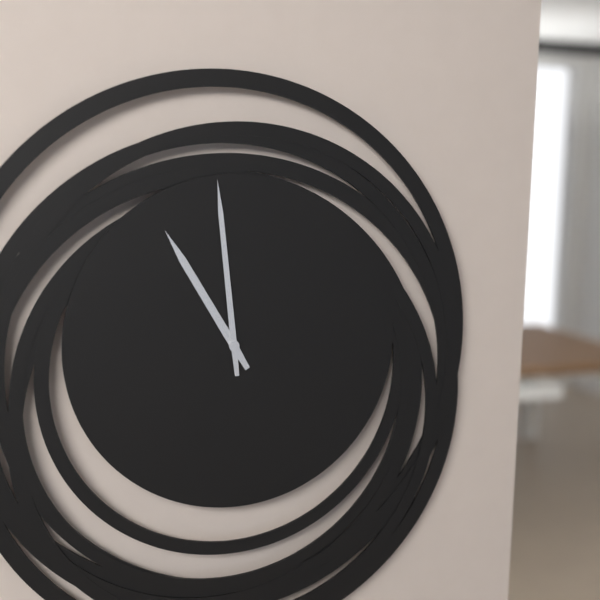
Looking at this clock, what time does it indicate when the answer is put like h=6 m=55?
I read h=10 m=59
